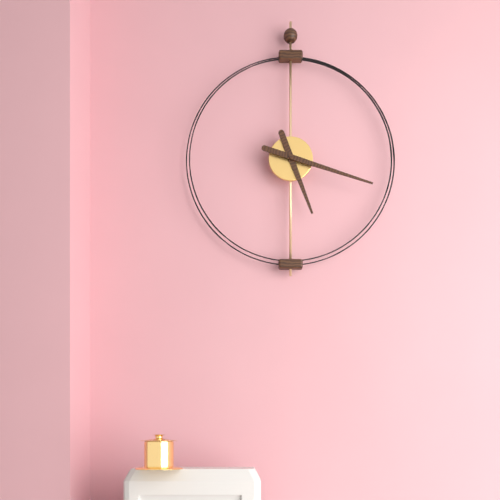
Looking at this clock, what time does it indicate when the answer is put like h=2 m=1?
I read h=5 m=18
